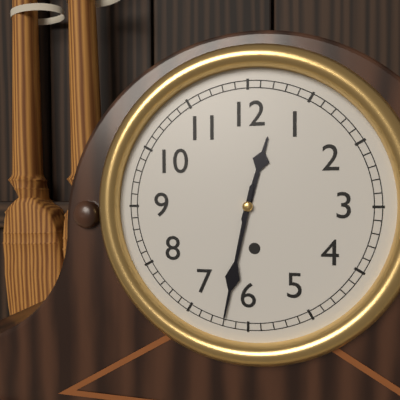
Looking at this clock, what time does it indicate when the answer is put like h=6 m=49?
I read h=12 m=32
